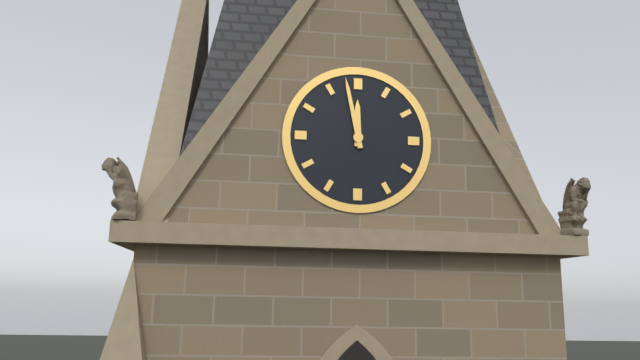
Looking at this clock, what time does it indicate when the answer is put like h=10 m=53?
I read h=11 m=58
